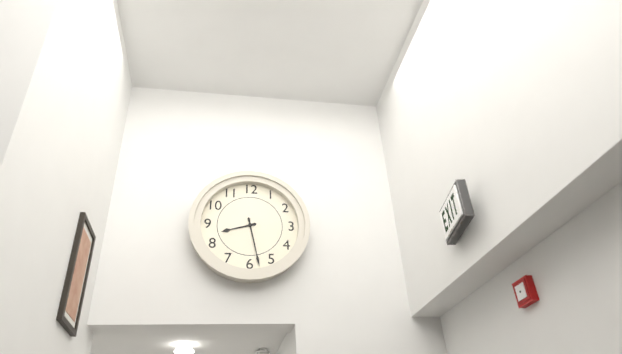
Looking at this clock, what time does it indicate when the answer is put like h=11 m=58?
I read h=8 m=28
